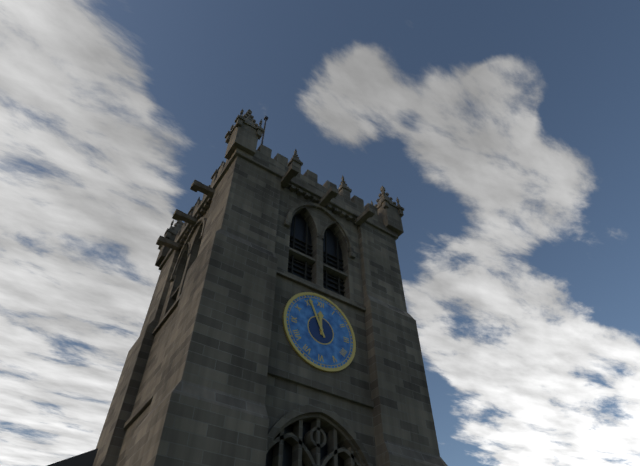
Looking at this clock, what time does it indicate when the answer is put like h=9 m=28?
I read h=11 m=56
